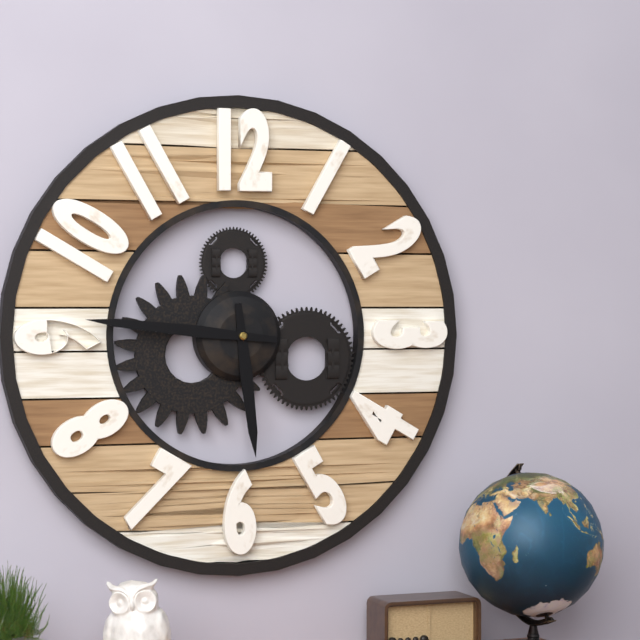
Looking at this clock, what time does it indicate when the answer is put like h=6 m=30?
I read h=5 m=46
